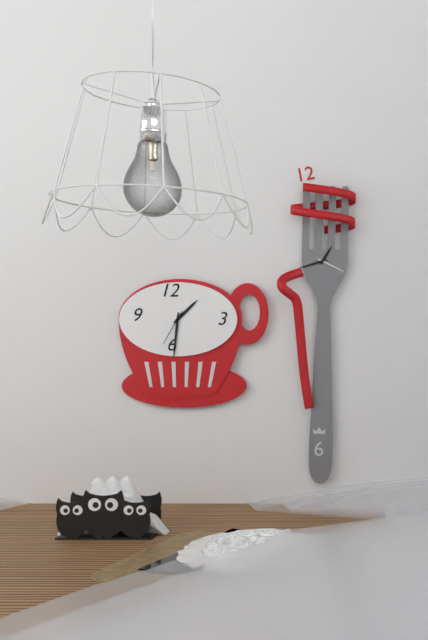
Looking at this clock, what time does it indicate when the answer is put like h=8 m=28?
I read h=1 m=31
